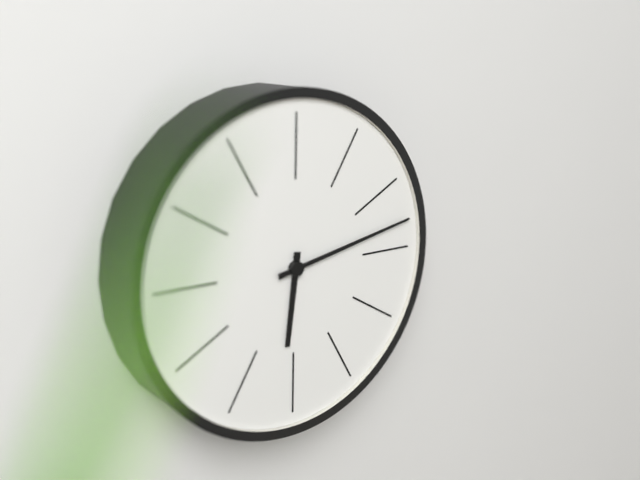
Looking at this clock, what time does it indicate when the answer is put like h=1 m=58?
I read h=6 m=13
